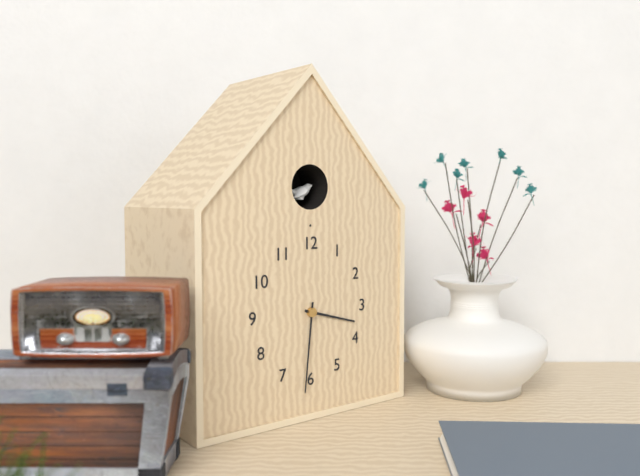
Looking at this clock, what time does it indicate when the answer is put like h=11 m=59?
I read h=3 m=31
